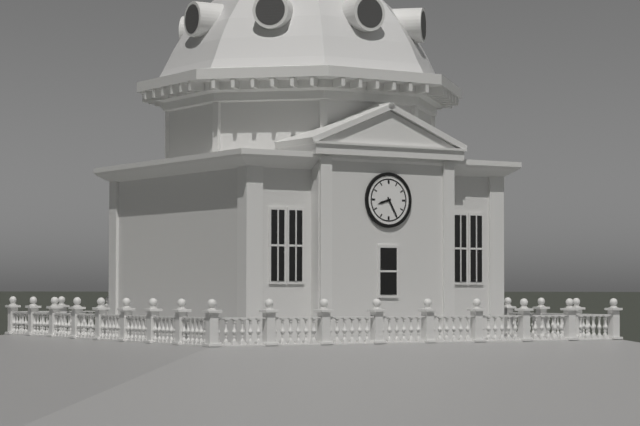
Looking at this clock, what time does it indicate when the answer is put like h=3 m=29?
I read h=8 m=25
